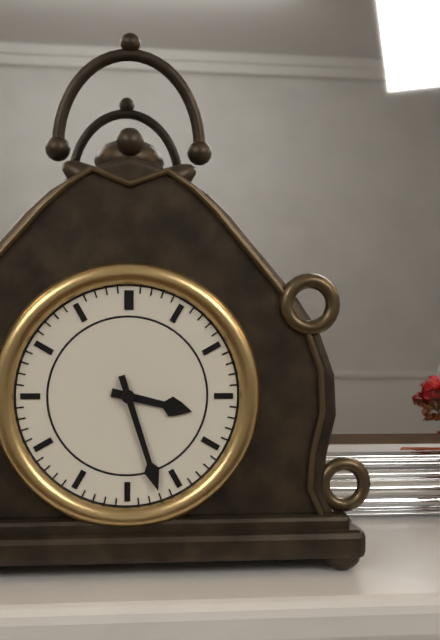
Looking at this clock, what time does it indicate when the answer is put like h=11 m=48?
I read h=3 m=27
